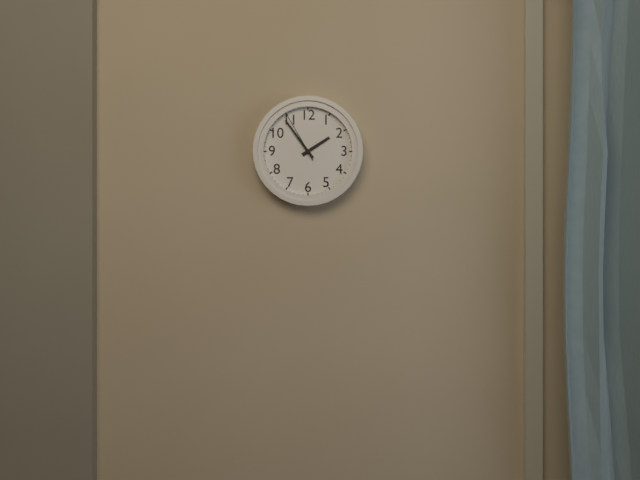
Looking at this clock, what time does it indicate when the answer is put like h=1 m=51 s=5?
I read h=1 m=54 s=55
